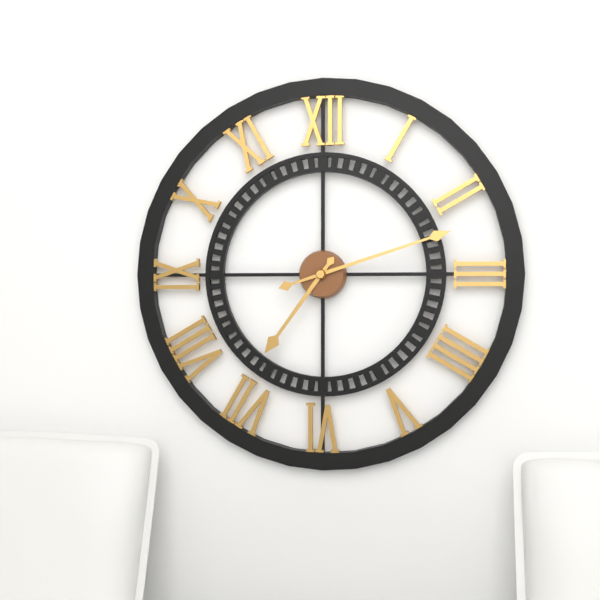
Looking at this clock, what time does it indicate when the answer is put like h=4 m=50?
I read h=7 m=12
